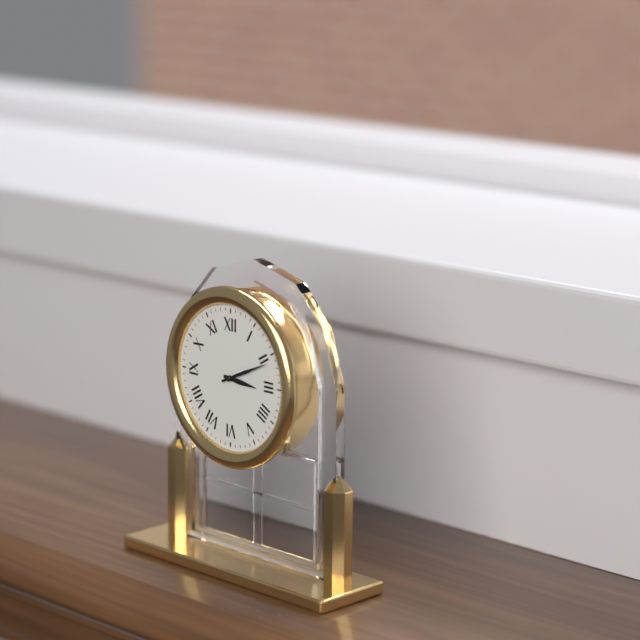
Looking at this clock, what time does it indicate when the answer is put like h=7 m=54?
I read h=3 m=11
